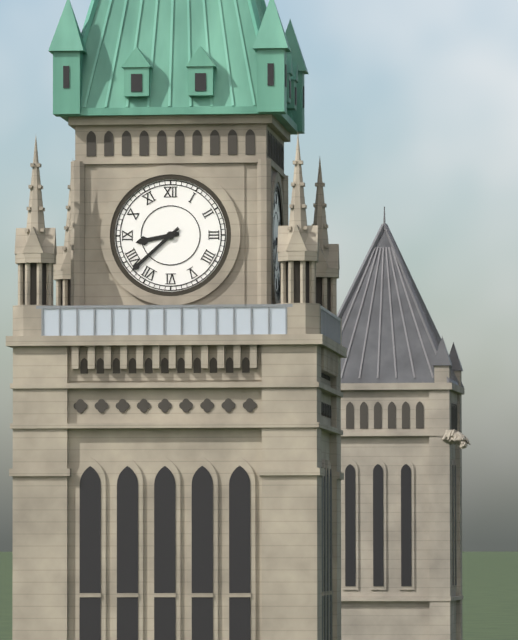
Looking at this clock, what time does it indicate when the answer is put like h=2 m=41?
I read h=8 m=38
